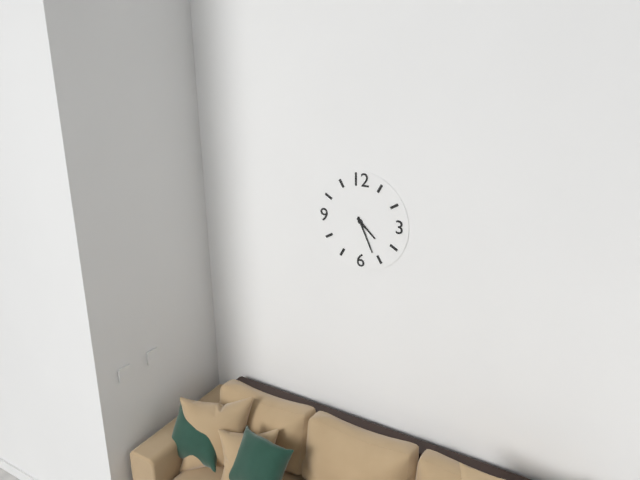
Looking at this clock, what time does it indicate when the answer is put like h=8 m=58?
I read h=4 m=26
